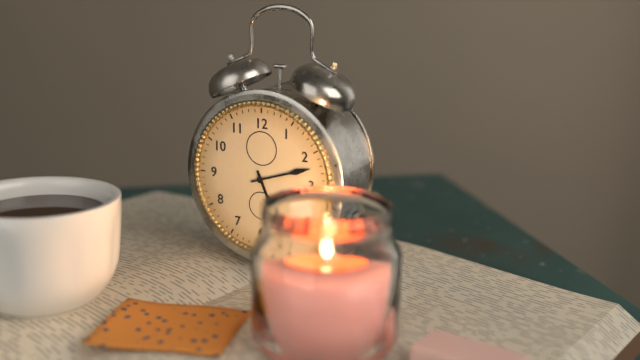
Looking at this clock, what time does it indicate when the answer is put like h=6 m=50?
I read h=5 m=12
